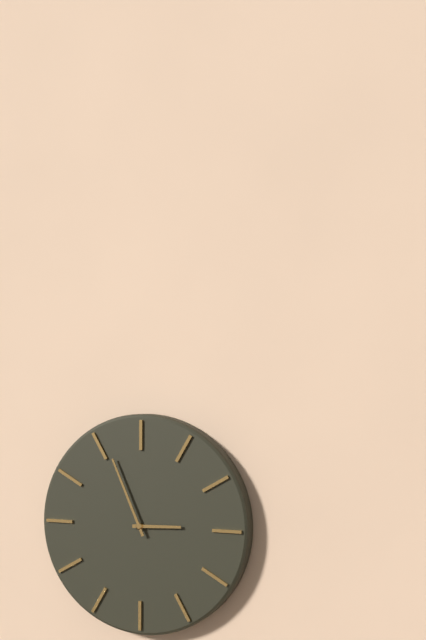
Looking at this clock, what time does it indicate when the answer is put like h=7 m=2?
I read h=2 m=56
